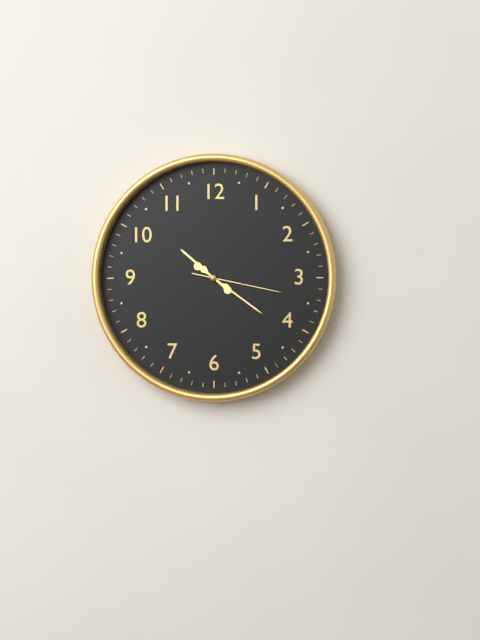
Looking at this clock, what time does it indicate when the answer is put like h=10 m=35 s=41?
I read h=10 m=21 s=17
